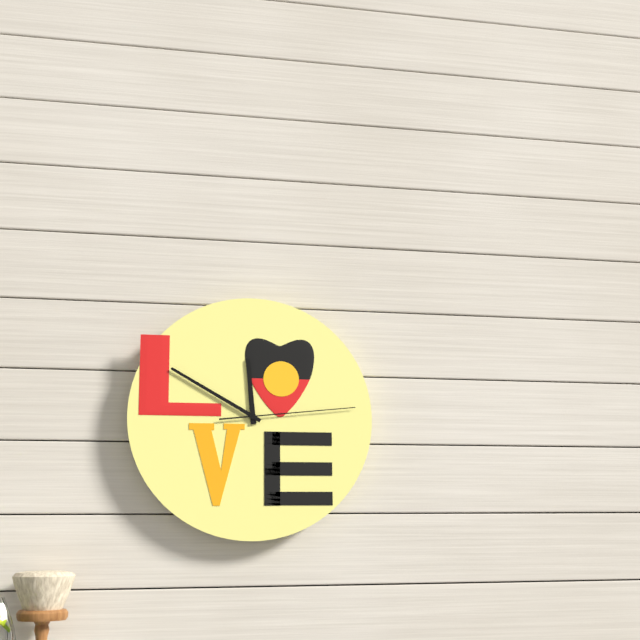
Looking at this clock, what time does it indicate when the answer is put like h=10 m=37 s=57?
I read h=11 m=50 s=14
